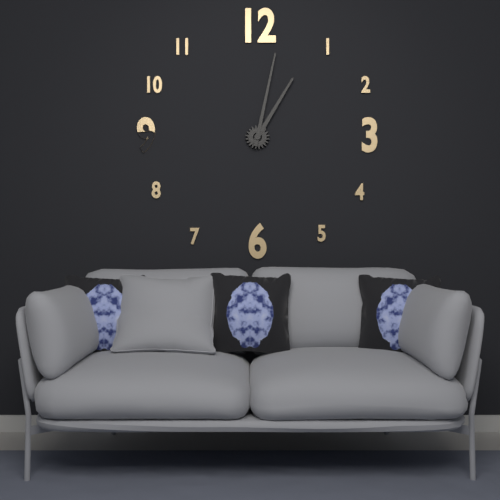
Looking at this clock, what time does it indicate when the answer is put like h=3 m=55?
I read h=1 m=2
